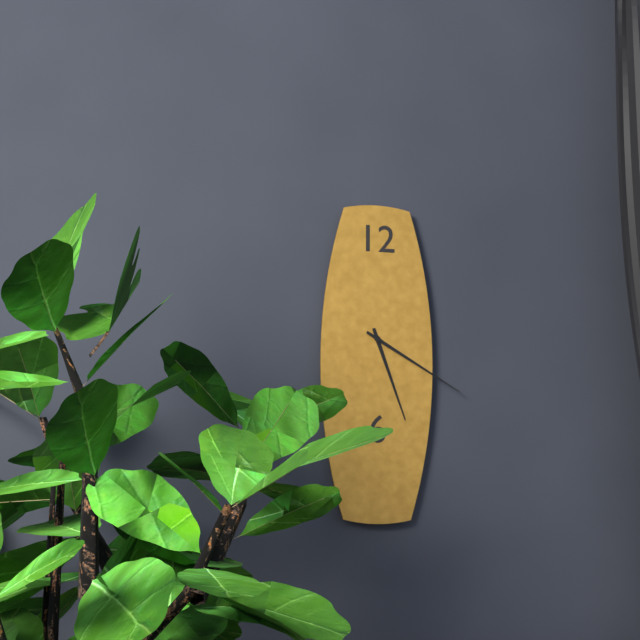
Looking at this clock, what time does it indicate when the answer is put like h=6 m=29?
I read h=5 m=20
